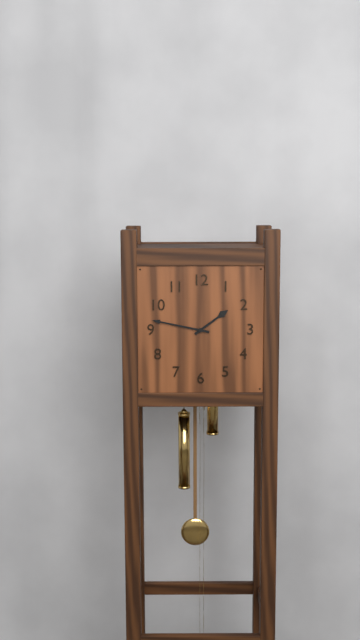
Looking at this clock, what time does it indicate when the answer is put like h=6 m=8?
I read h=1 m=47
